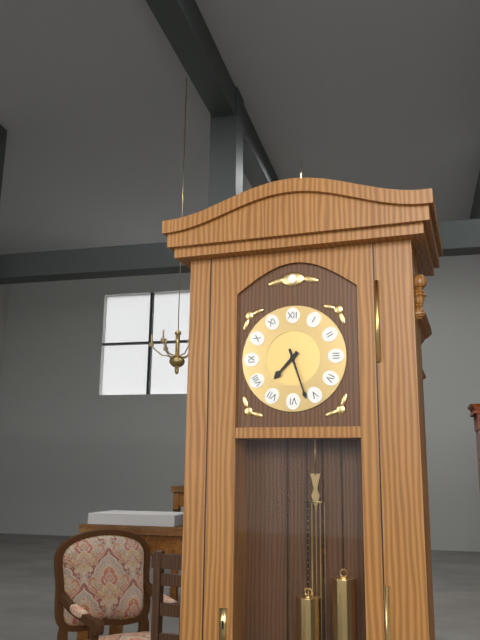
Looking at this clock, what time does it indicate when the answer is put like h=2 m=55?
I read h=7 m=27
